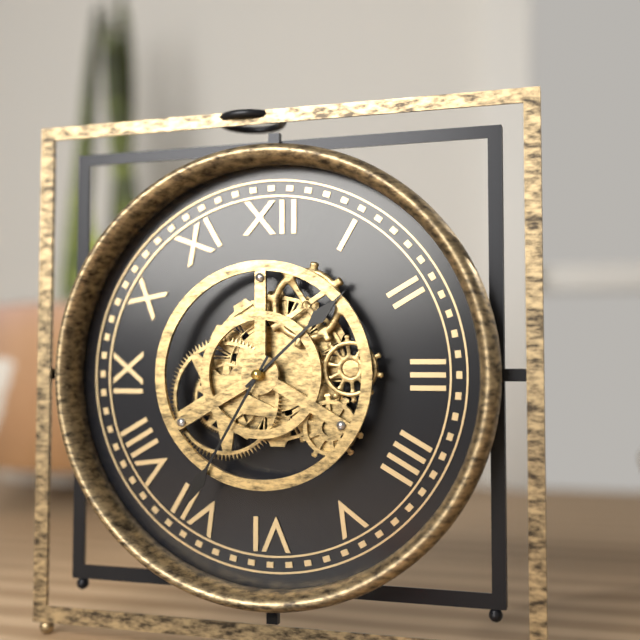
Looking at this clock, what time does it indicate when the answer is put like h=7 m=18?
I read h=1 m=35
